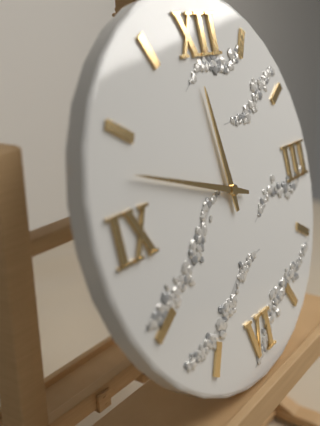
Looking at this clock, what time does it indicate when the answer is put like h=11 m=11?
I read h=11 m=48
